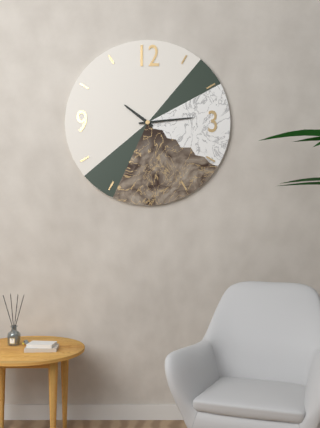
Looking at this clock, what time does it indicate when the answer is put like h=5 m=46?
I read h=10 m=14
